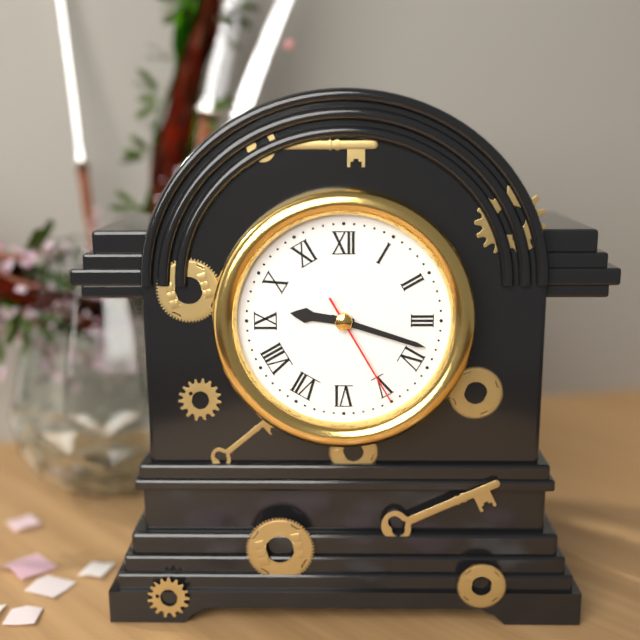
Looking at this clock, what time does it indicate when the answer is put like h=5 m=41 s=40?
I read h=9 m=18 s=25
